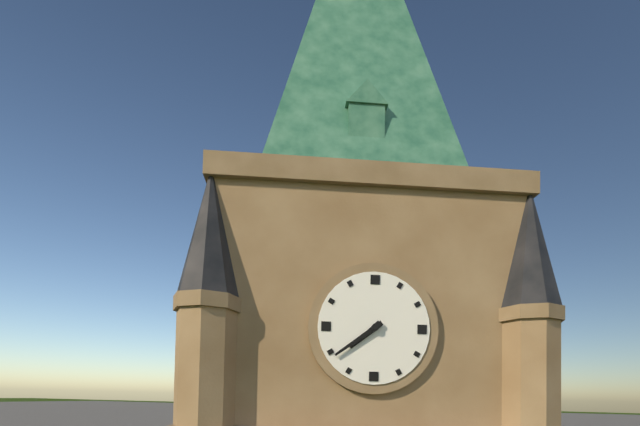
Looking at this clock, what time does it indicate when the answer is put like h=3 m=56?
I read h=7 m=39
